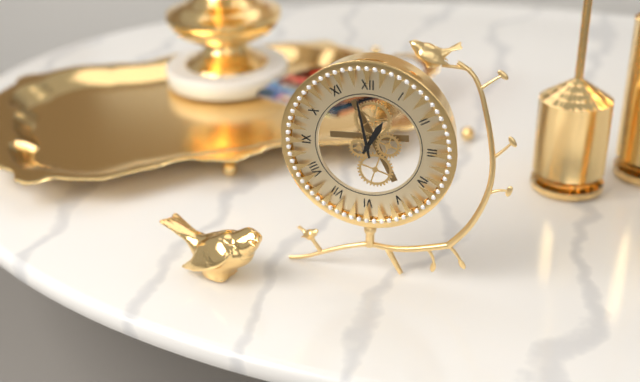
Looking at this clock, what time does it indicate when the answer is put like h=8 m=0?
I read h=12 m=58
